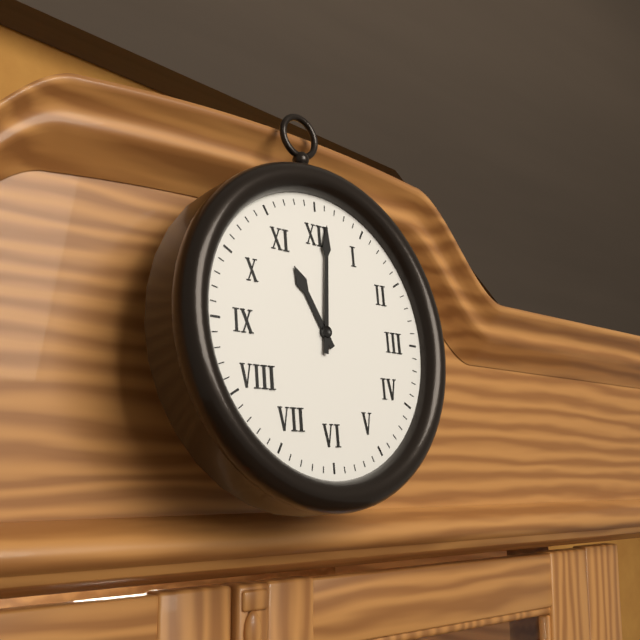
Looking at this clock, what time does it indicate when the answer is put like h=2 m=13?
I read h=11 m=1
